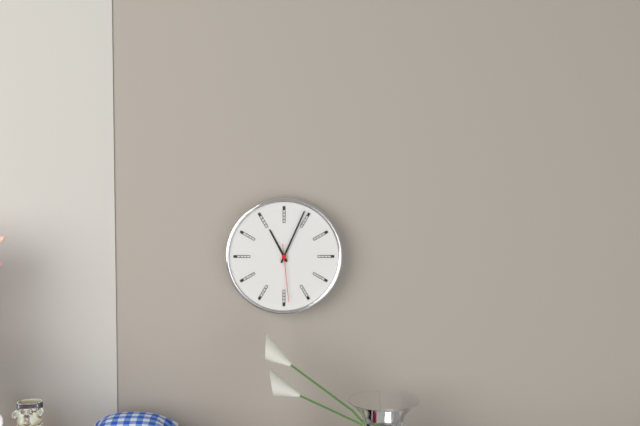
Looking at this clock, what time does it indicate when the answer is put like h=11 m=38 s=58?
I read h=11 m=4 s=29
